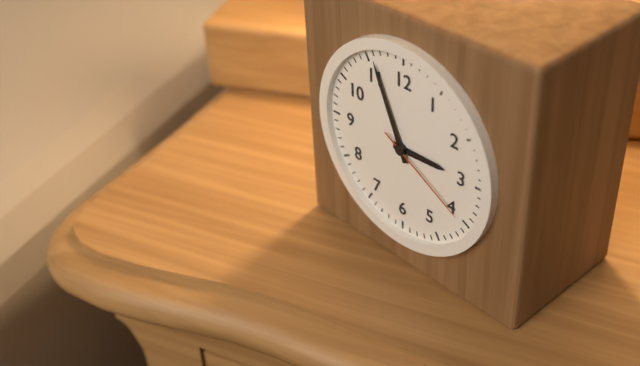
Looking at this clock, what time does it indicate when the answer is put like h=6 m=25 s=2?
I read h=2 m=56 s=20
